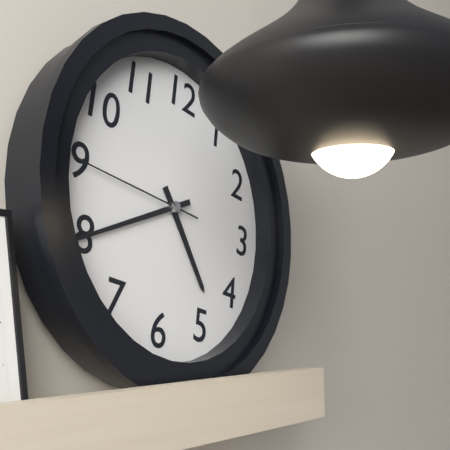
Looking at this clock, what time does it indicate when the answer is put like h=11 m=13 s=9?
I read h=4 m=40 s=45
